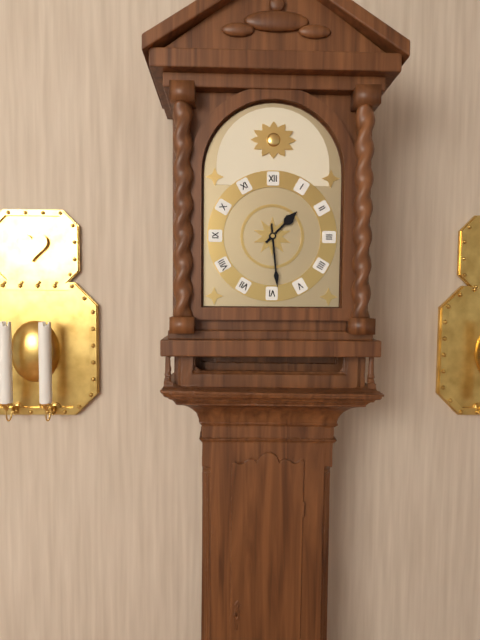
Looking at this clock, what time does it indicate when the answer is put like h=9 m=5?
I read h=1 m=29
